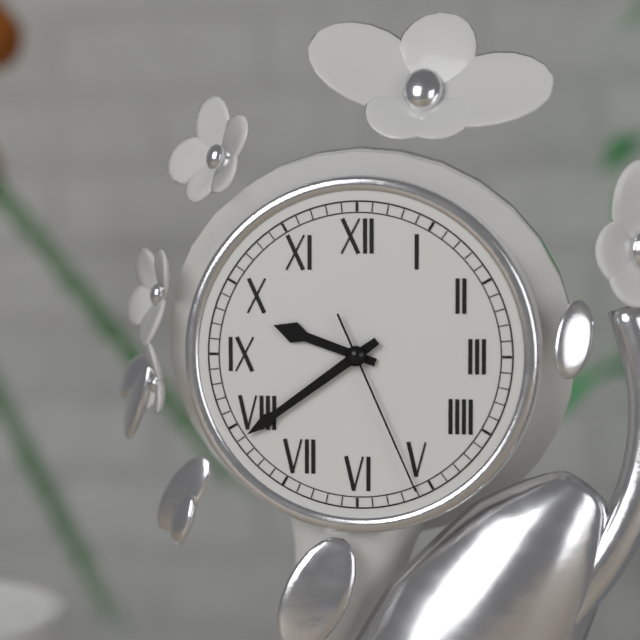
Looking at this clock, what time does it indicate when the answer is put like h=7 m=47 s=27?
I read h=9 m=39 s=26
